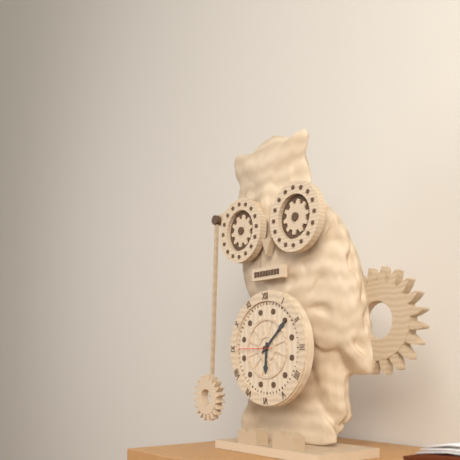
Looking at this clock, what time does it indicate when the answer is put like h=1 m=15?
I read h=6 m=8
